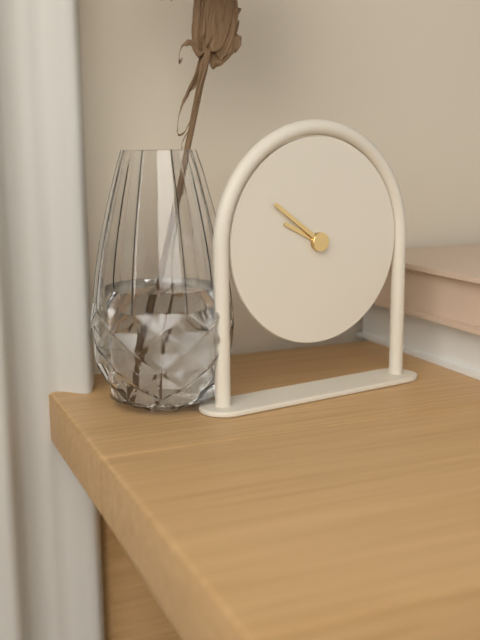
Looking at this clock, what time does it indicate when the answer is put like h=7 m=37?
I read h=9 m=51
